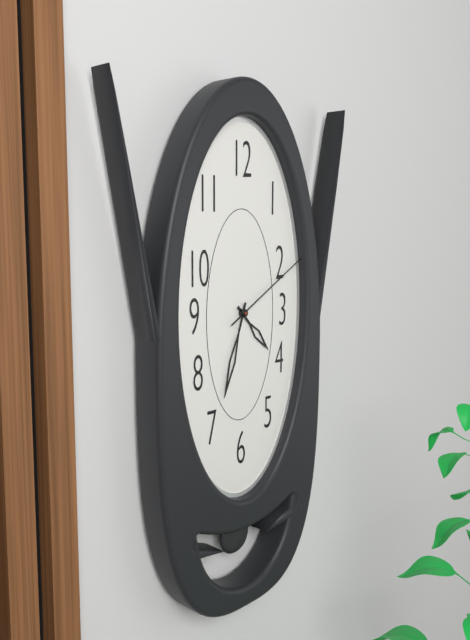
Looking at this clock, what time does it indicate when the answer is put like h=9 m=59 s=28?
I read h=4 m=33 s=10
